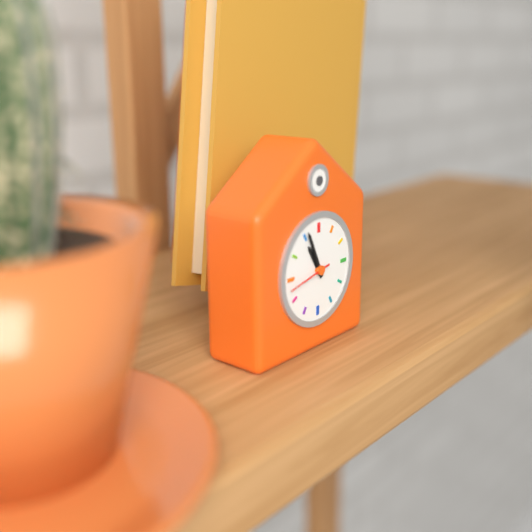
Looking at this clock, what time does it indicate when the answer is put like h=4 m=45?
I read h=10 m=56
